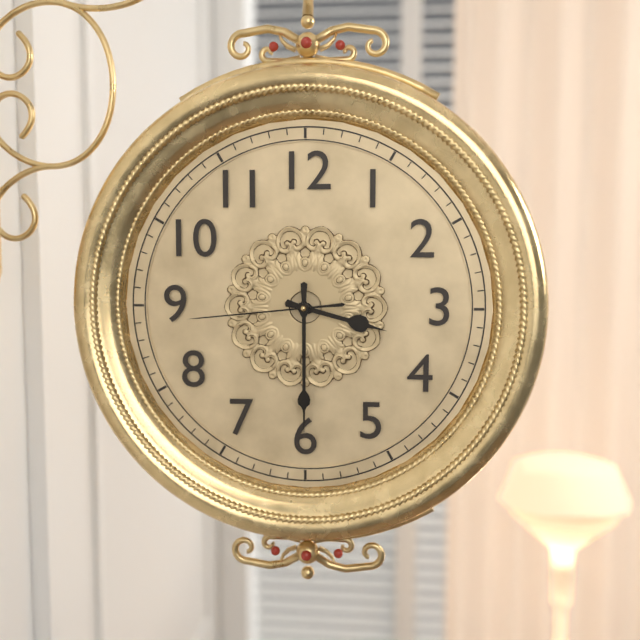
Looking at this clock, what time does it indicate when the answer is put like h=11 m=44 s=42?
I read h=3 m=30 s=44
